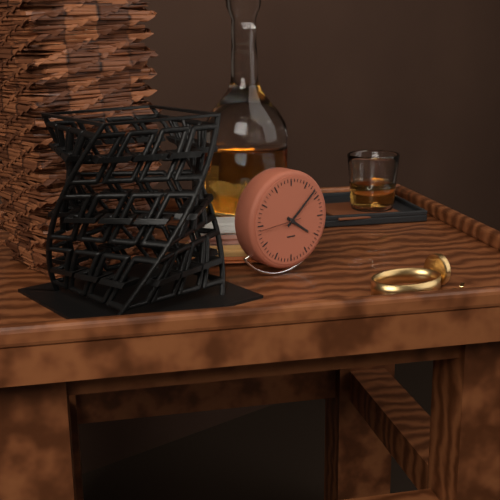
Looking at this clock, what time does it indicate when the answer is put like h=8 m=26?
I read h=4 m=8
